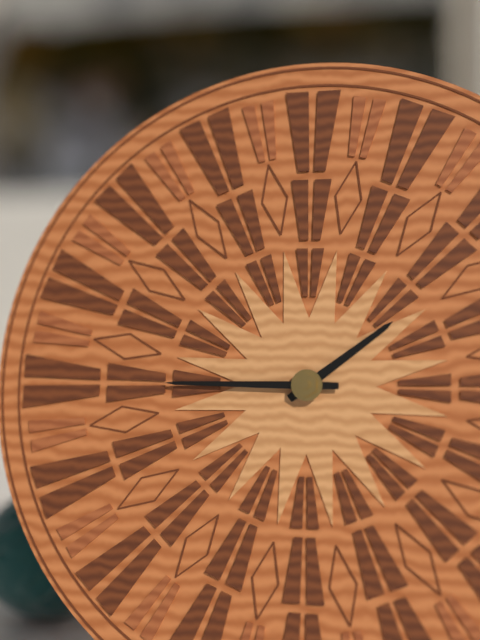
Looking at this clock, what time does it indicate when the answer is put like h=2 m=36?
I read h=1 m=45
